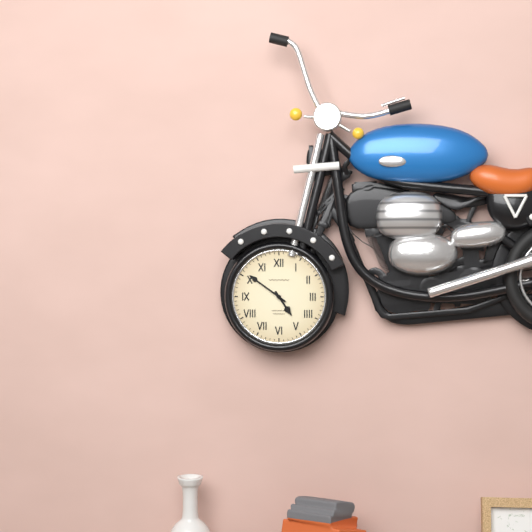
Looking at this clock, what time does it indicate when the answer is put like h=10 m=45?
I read h=4 m=51
